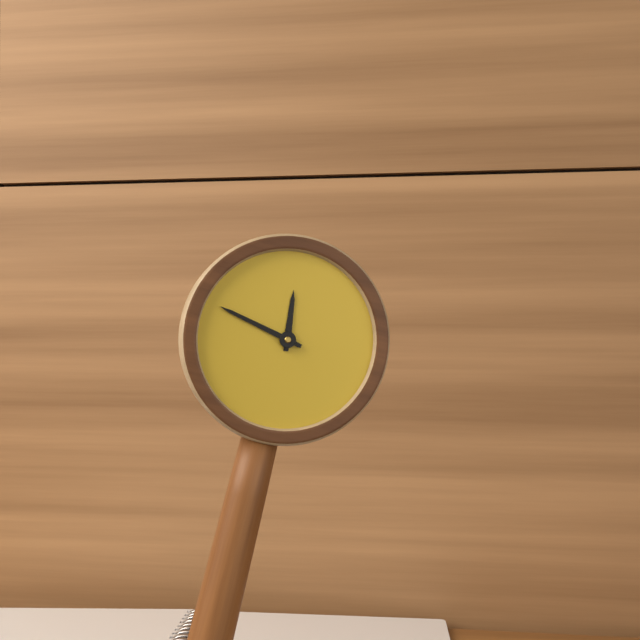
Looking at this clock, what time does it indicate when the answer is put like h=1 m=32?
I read h=11 m=47
